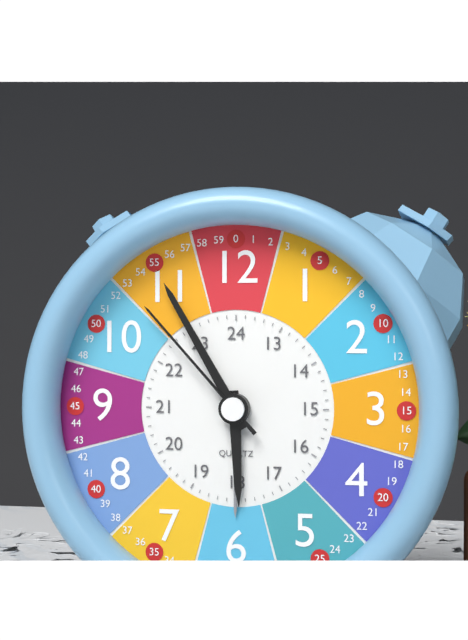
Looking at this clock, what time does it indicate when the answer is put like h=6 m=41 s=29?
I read h=5 m=55 s=53
